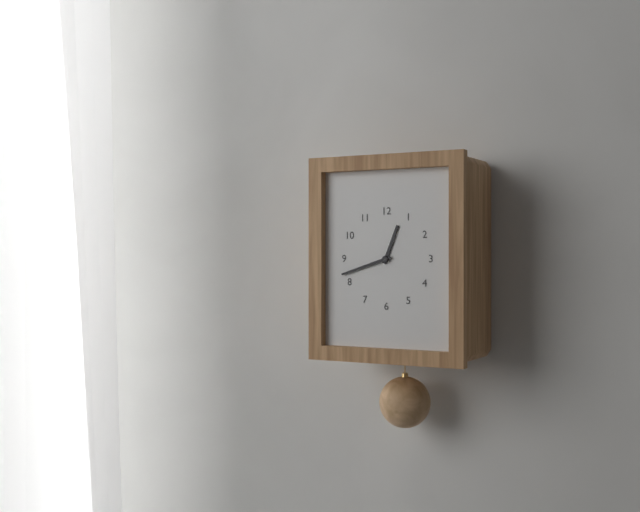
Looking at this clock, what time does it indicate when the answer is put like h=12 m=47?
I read h=12 m=42
